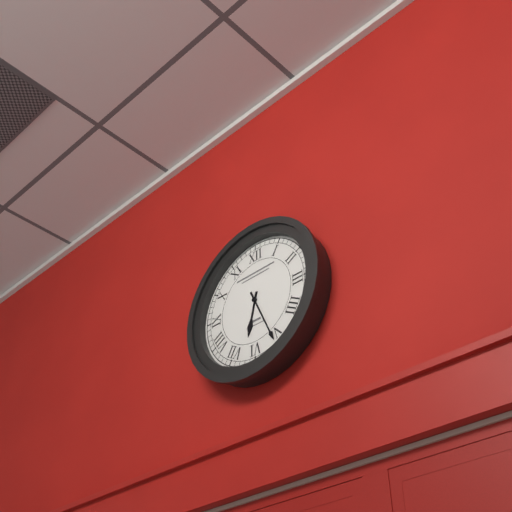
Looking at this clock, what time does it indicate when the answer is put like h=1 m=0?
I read h=6 m=26
